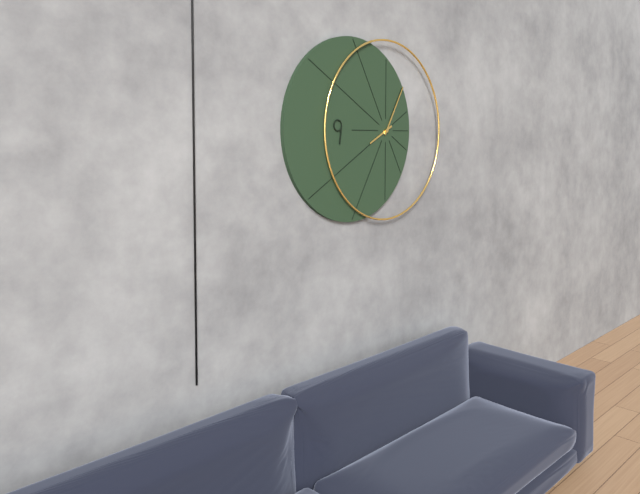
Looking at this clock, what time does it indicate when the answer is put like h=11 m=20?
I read h=8 m=5
